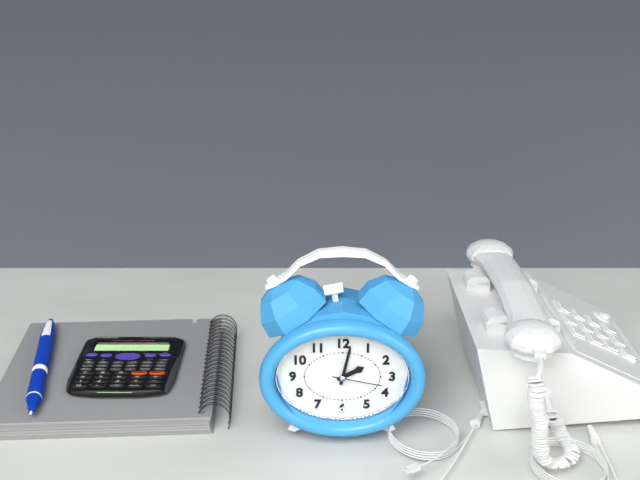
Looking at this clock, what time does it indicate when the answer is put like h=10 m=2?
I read h=2 m=2
